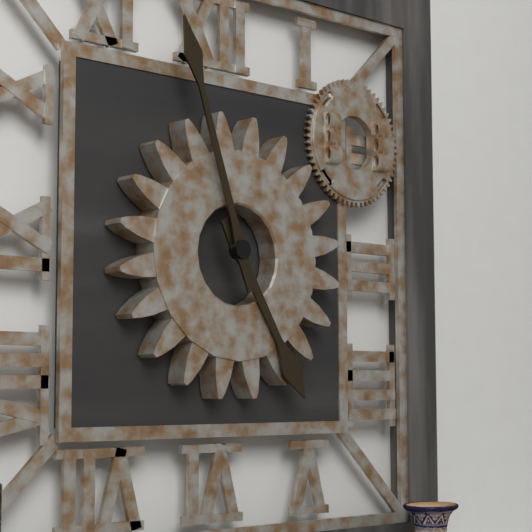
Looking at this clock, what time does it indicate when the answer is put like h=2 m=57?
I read h=4 m=57
